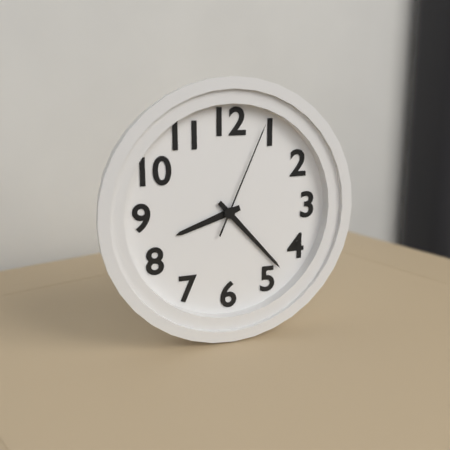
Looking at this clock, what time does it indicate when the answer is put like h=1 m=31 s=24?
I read h=8 m=23 s=4
